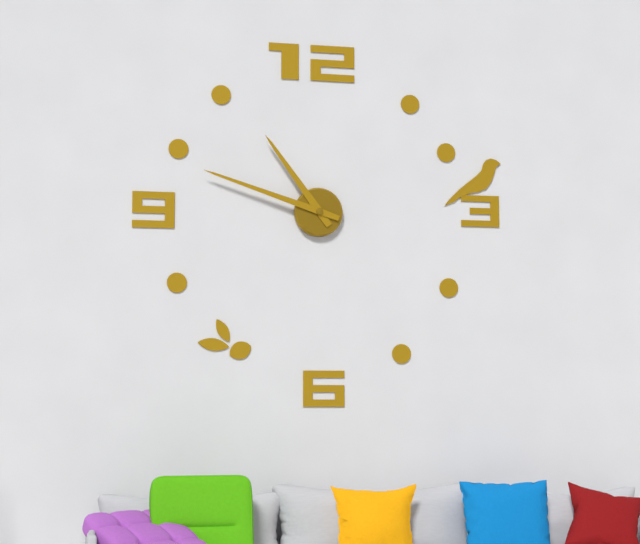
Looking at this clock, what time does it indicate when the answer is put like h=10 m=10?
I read h=10 m=48
